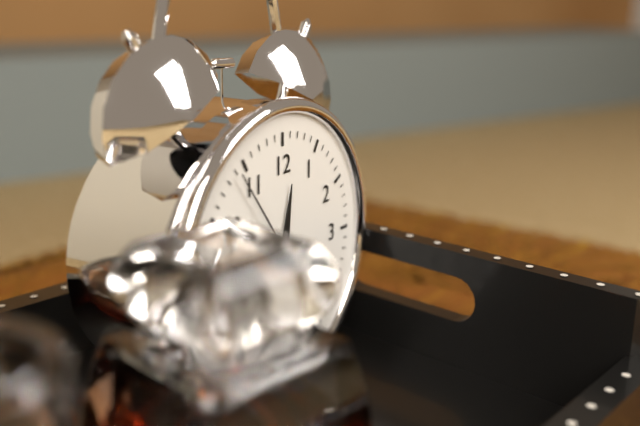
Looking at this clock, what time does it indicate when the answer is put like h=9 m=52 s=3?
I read h=12 m=21 s=54
